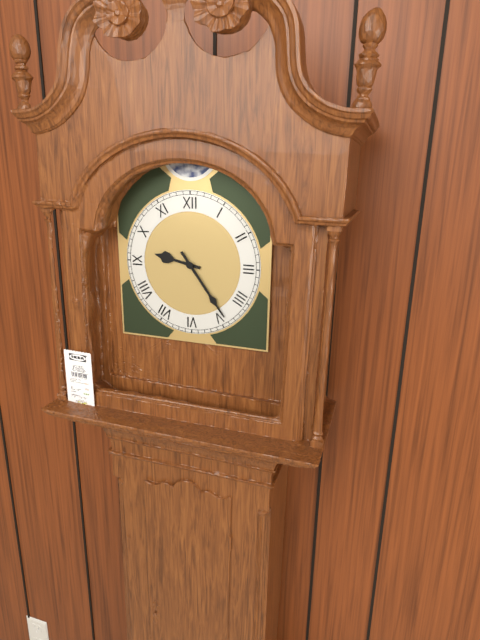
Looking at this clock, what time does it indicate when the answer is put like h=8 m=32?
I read h=9 m=24
